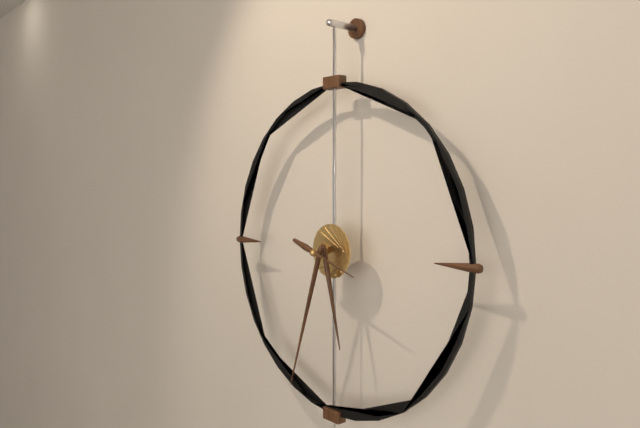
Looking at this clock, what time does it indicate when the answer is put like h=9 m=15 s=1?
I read h=5 m=33 s=18
